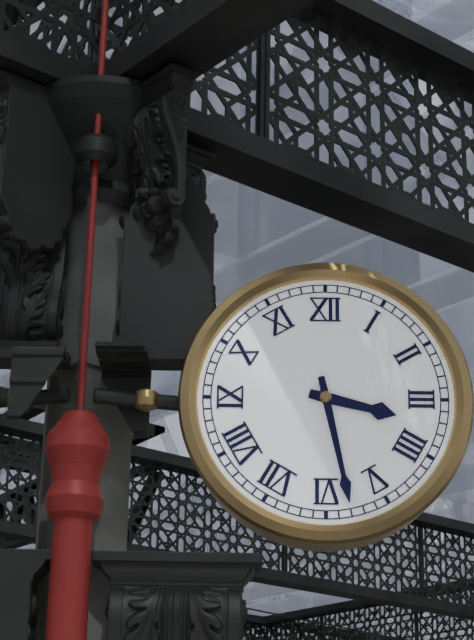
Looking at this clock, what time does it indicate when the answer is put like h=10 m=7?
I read h=3 m=28
